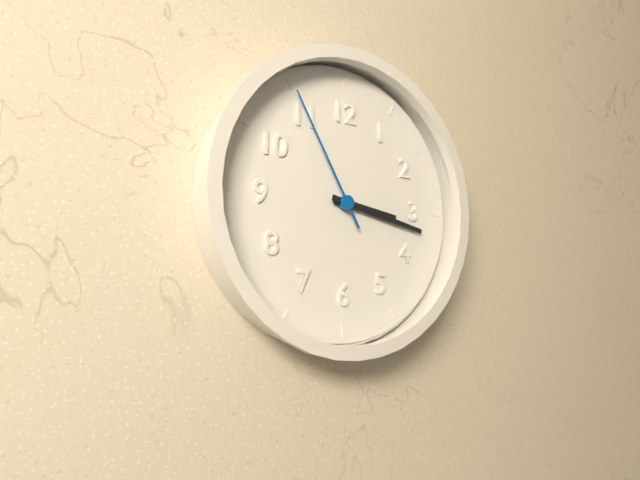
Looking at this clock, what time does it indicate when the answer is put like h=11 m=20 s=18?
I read h=3 m=17 s=55
